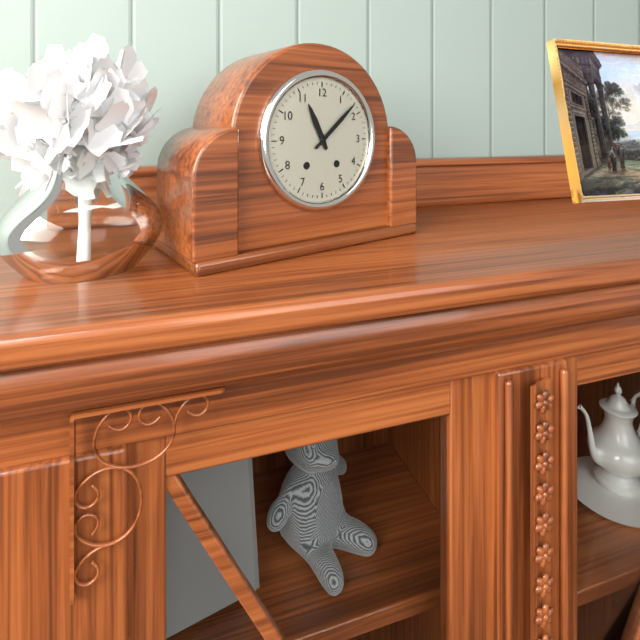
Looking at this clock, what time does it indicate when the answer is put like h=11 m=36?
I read h=11 m=8
